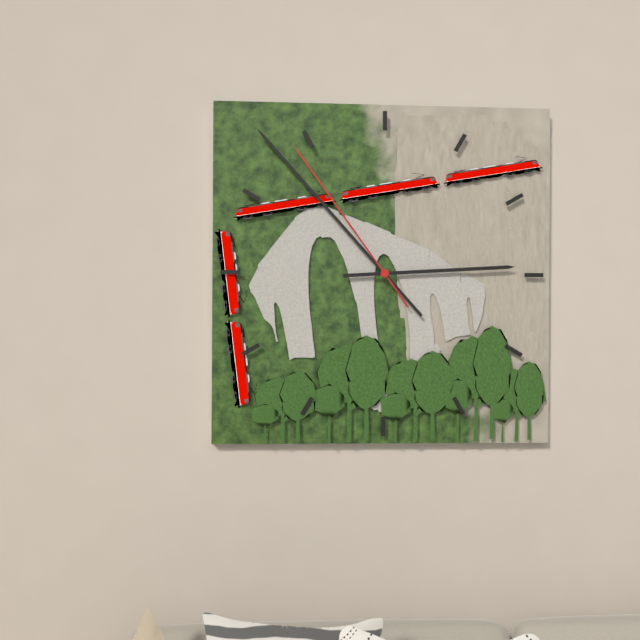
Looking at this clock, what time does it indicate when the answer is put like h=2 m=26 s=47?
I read h=2 m=53 s=54
